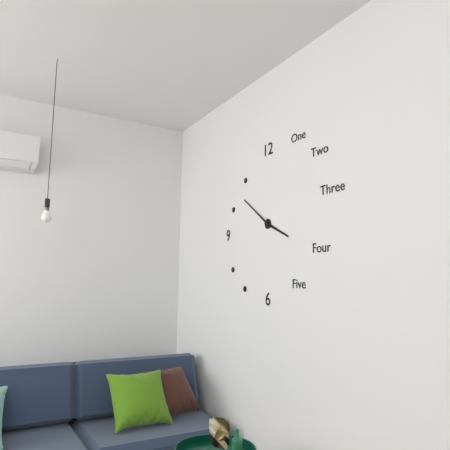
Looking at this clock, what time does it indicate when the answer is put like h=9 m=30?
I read h=3 m=51
